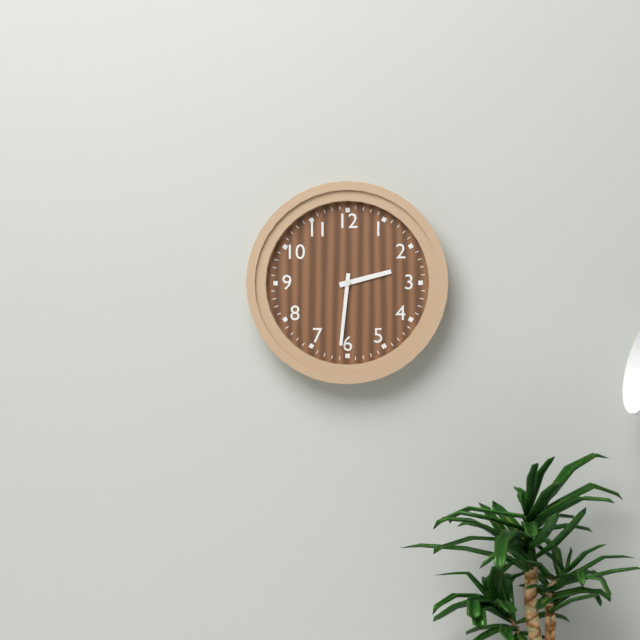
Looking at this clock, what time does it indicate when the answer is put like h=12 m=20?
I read h=2 m=31
